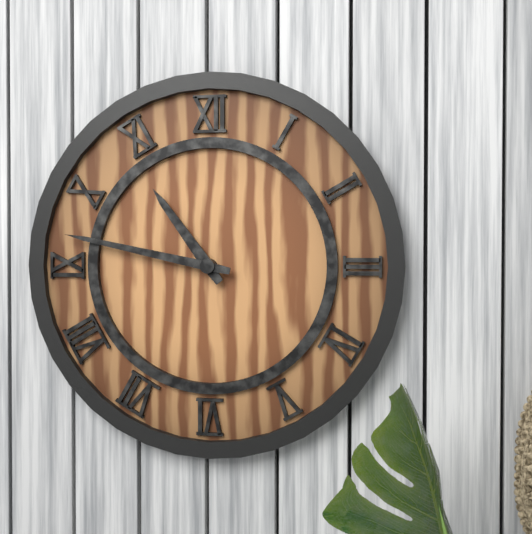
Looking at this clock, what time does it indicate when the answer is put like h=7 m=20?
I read h=10 m=47
